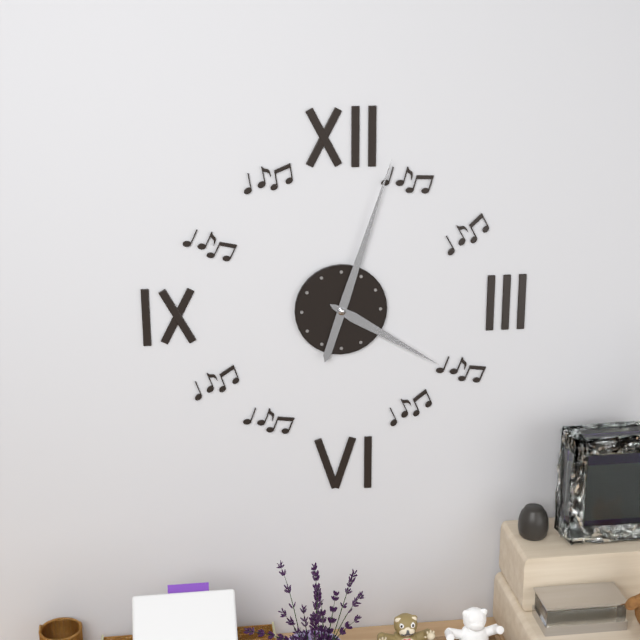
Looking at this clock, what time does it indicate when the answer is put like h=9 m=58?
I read h=4 m=3
